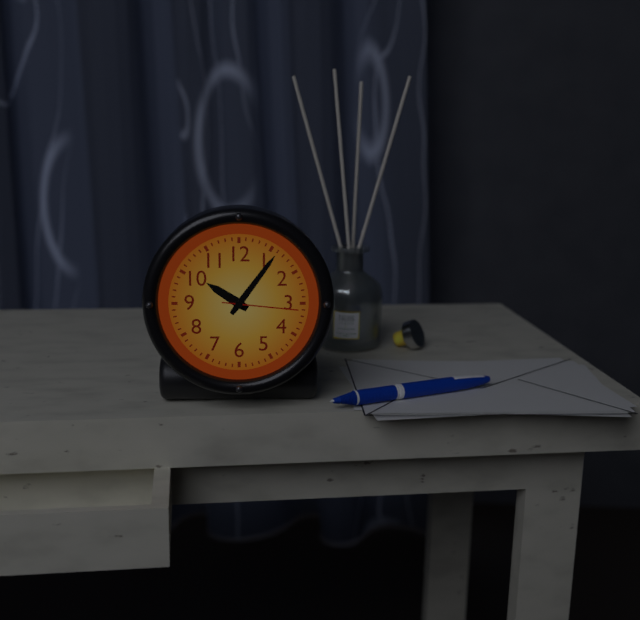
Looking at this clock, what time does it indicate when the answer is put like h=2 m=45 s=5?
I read h=10 m=6 s=16
